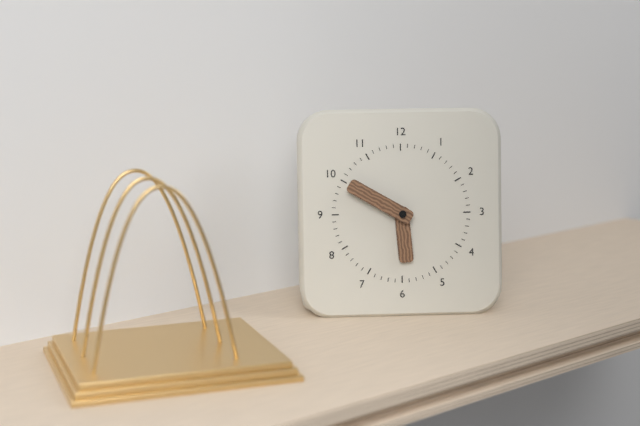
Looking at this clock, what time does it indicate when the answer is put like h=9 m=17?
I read h=5 m=50
